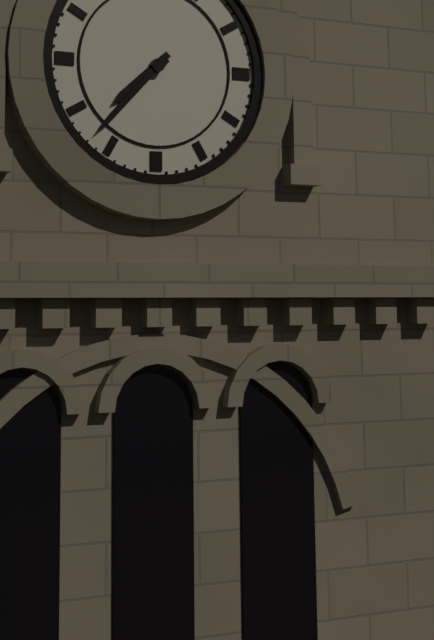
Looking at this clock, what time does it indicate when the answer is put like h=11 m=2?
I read h=7 m=37
